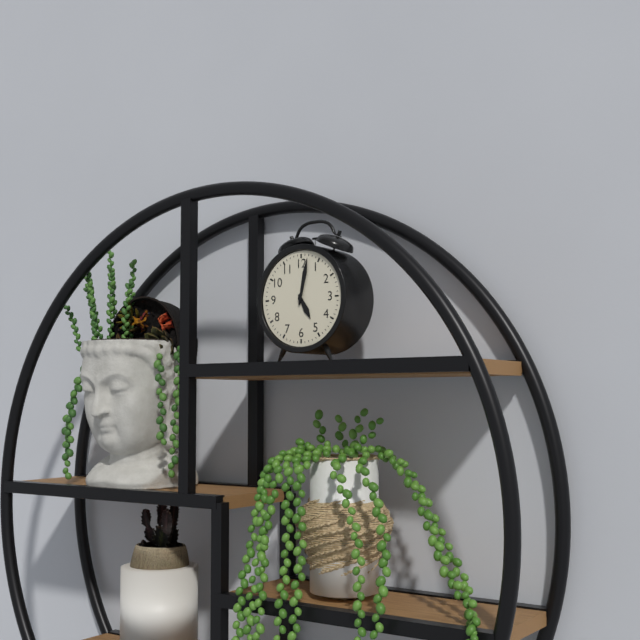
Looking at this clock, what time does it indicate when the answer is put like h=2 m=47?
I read h=5 m=2
